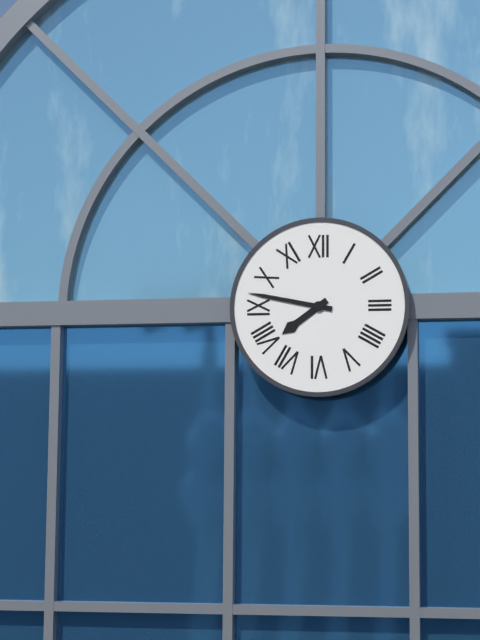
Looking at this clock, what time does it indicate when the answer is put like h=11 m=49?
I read h=7 m=47
